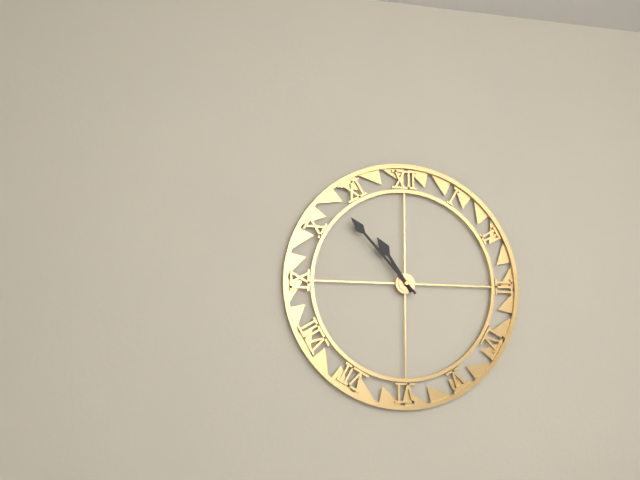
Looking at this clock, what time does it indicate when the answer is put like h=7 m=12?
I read h=10 m=53
